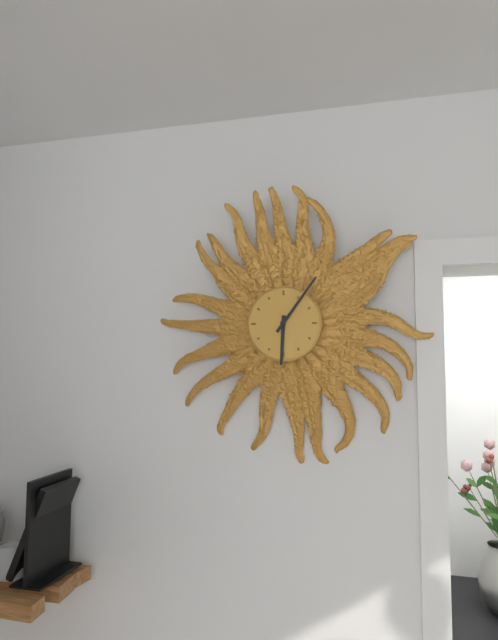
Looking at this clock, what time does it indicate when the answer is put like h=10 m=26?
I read h=6 m=6
